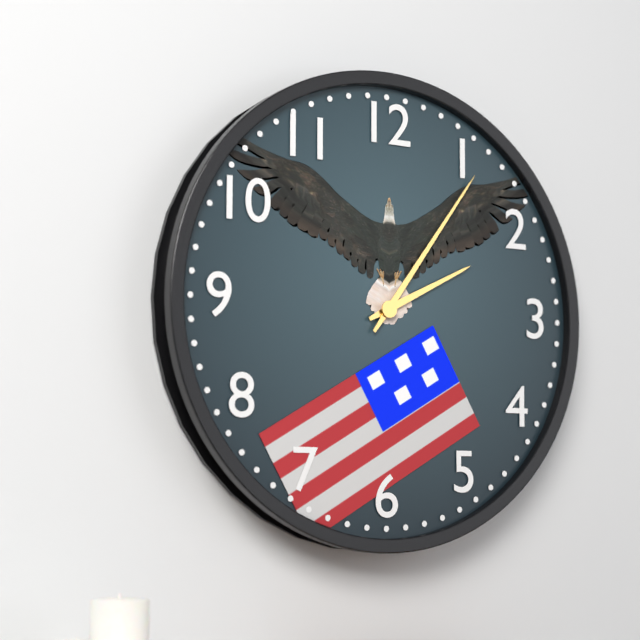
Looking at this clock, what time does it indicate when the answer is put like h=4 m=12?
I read h=2 m=6
